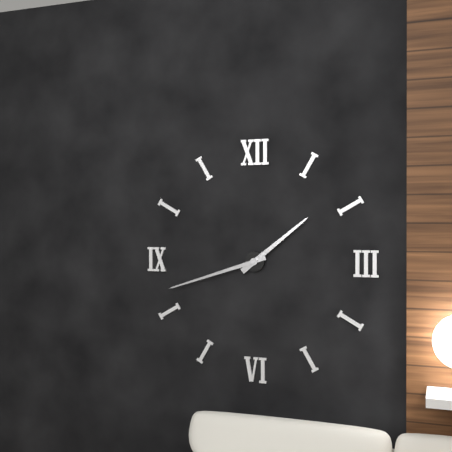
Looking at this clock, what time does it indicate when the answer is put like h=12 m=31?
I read h=1 m=42
